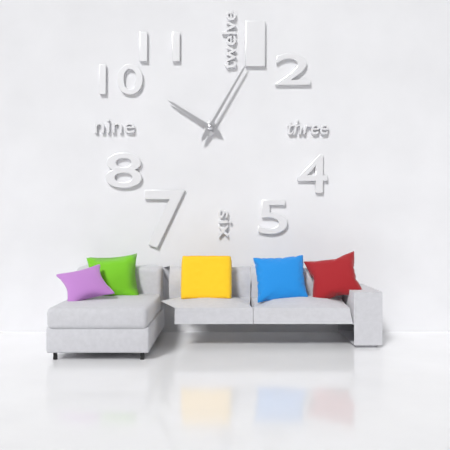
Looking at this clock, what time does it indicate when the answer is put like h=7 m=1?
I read h=10 m=5
